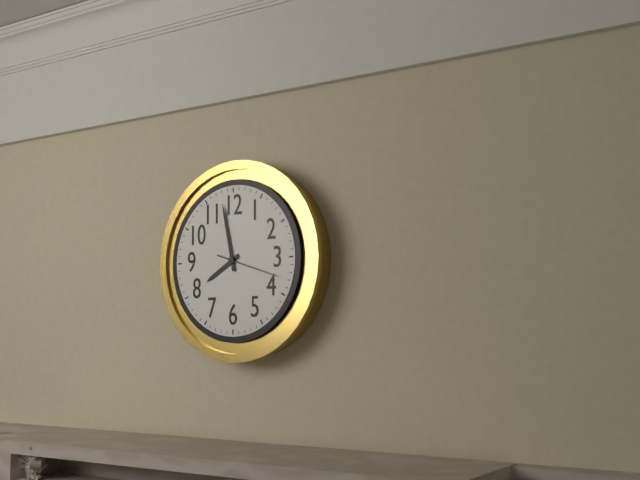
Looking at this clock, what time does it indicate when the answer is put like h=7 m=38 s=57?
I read h=7 m=58 s=18
